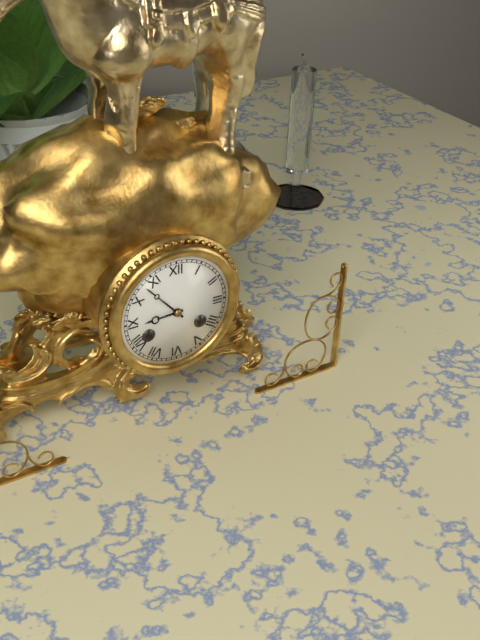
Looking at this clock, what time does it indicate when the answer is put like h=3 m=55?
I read h=8 m=53
